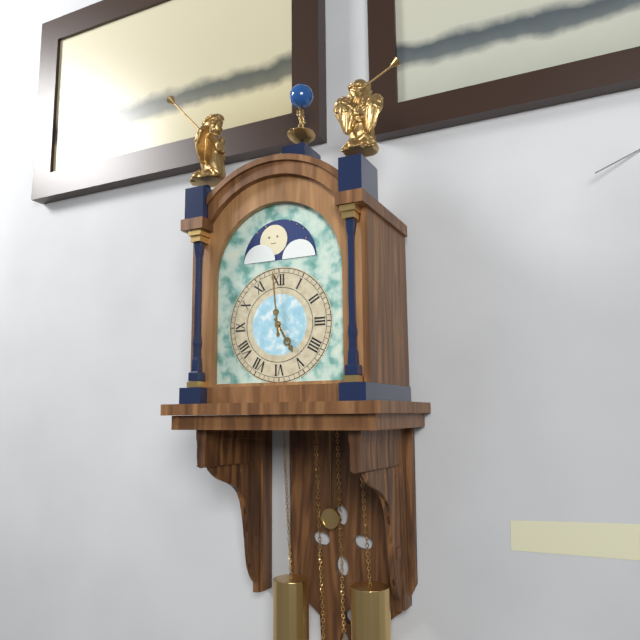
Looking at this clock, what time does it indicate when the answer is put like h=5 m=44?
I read h=4 m=59
